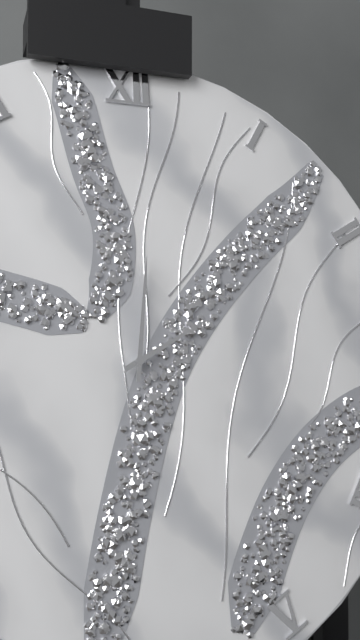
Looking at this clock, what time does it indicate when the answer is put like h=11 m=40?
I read h=2 m=1
